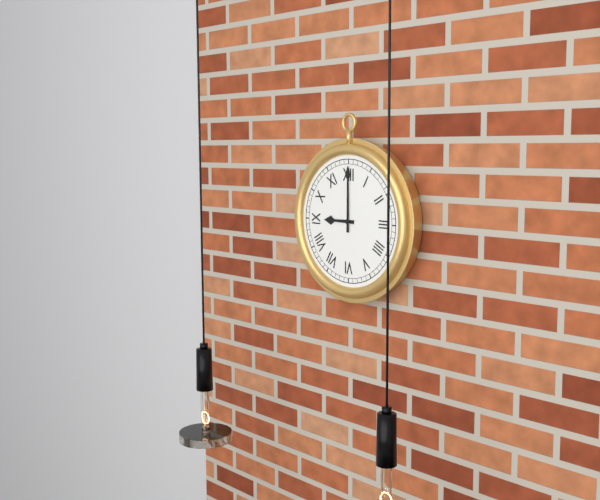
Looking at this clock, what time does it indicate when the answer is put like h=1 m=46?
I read h=9 m=0
